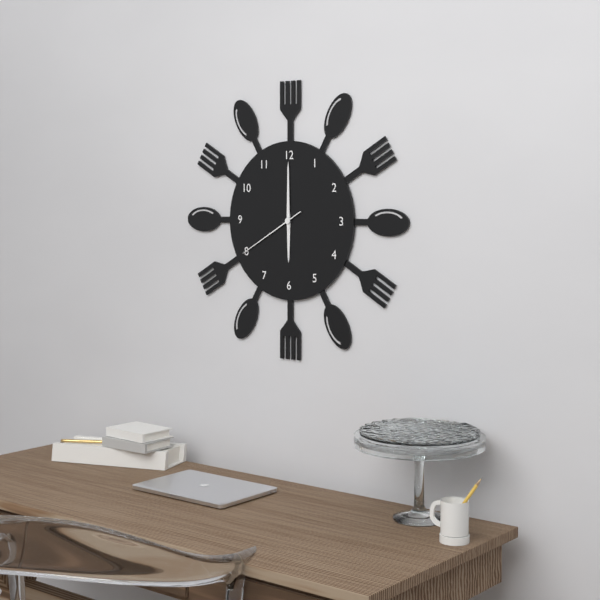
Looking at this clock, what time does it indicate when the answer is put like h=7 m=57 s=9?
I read h=6 m=0 s=40
